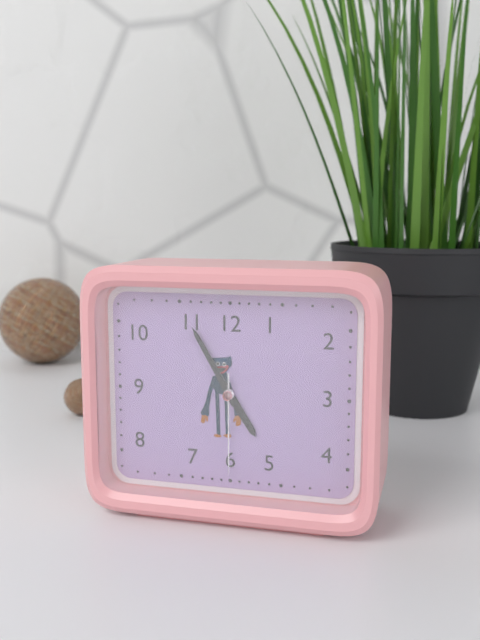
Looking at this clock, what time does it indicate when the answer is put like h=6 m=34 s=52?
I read h=4 m=55 s=30
